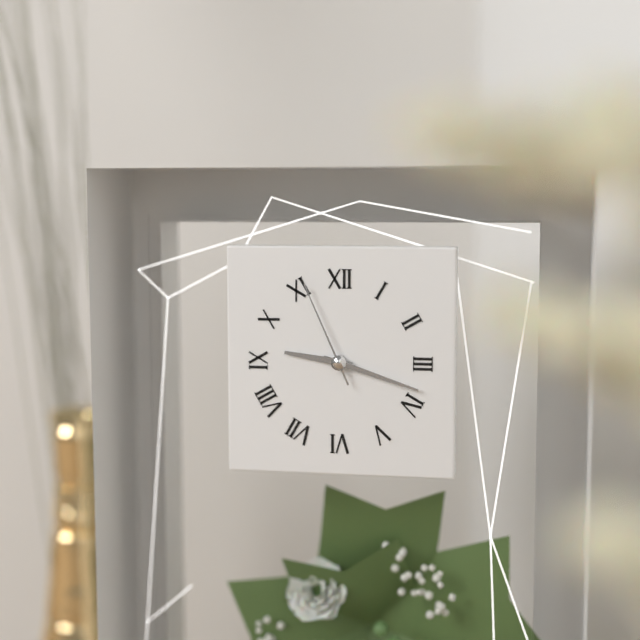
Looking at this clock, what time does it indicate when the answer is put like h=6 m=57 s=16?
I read h=9 m=18 s=56
